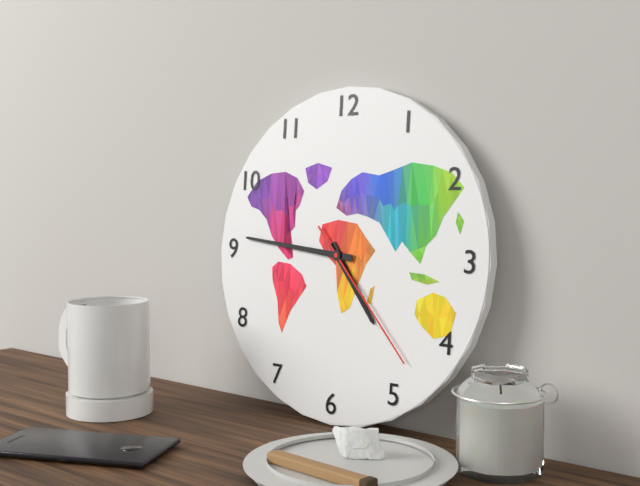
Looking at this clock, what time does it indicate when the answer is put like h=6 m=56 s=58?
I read h=4 m=46 s=23
